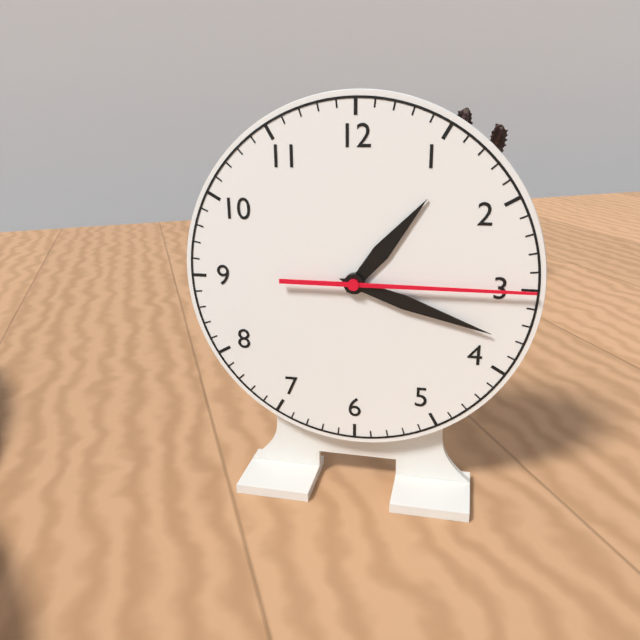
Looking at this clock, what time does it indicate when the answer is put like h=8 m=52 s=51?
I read h=1 m=18 s=15
